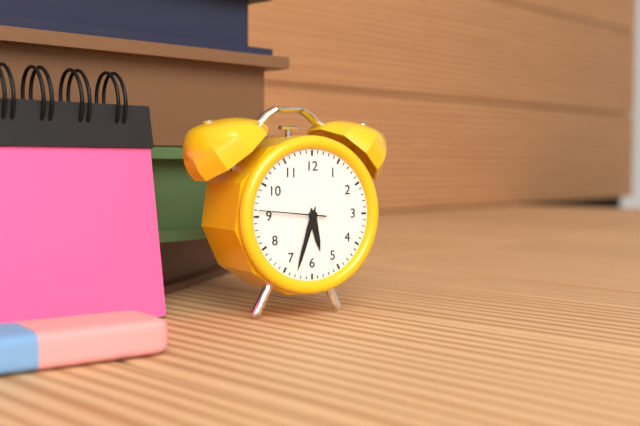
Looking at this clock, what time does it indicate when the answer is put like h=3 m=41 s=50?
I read h=5 m=33 s=46
